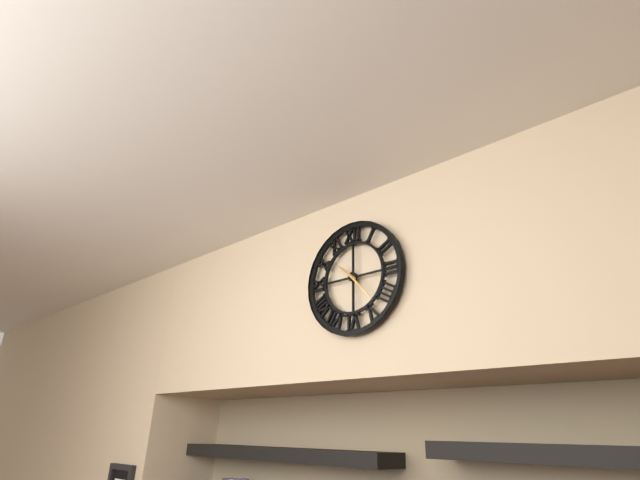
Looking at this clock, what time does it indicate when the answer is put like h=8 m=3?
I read h=10 m=23
